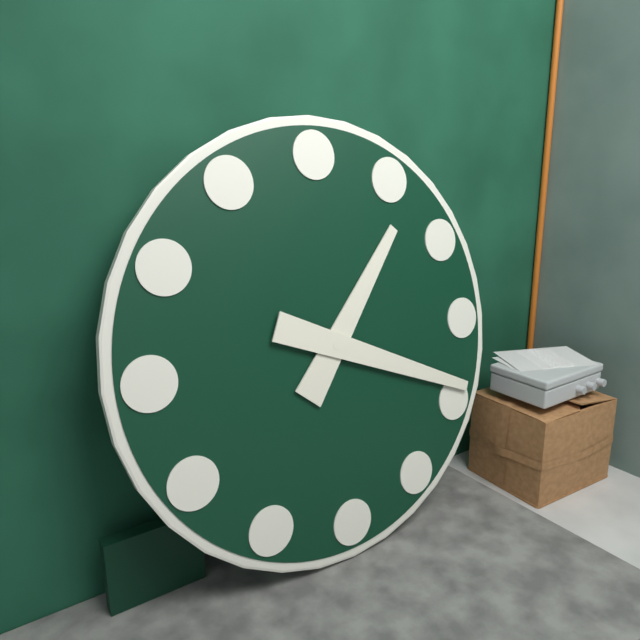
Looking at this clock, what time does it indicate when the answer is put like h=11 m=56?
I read h=1 m=19
